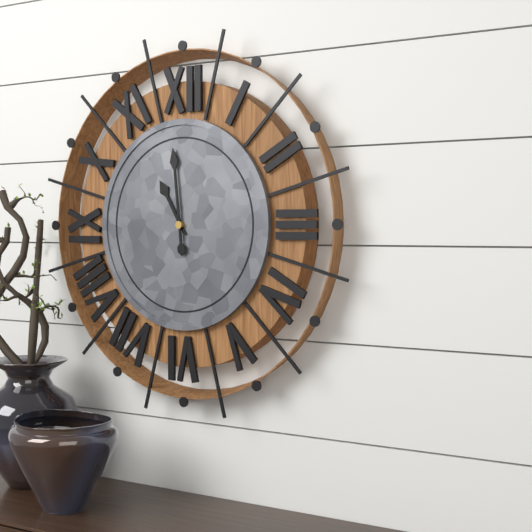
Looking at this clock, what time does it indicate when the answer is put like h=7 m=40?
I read h=10 m=59
